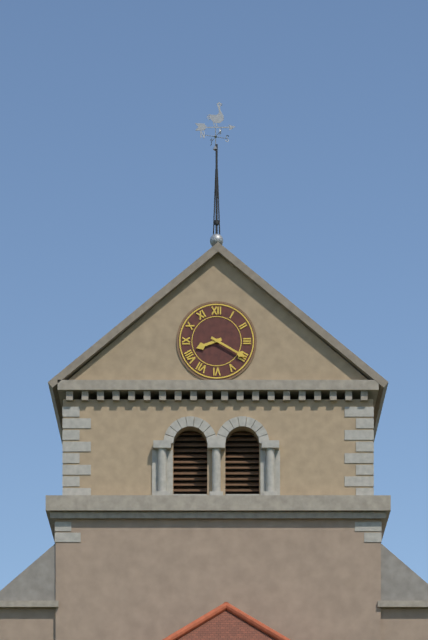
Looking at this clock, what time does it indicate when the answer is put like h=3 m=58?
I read h=8 m=20
